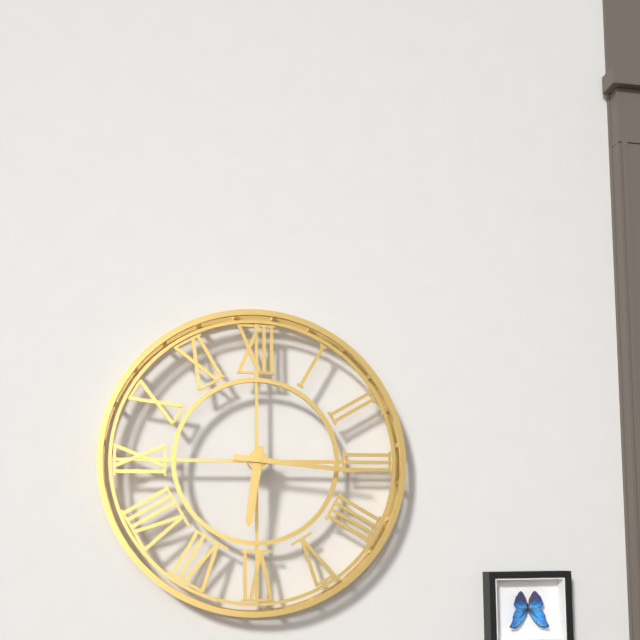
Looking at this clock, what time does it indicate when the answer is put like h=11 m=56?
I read h=6 m=16
